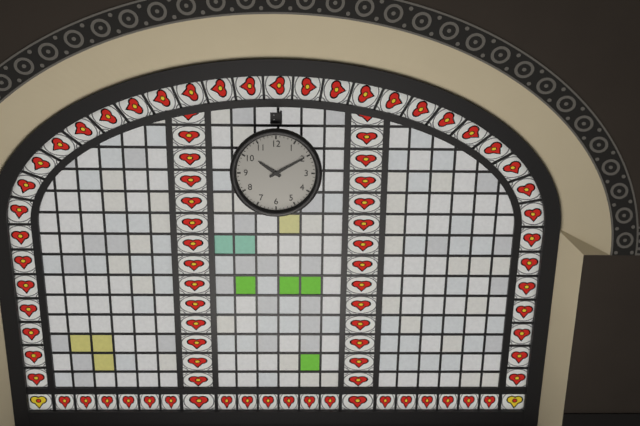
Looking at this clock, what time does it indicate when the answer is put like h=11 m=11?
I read h=10 m=10
